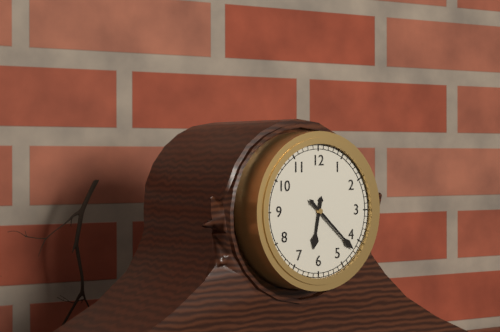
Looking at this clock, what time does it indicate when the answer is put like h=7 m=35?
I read h=6 m=22
